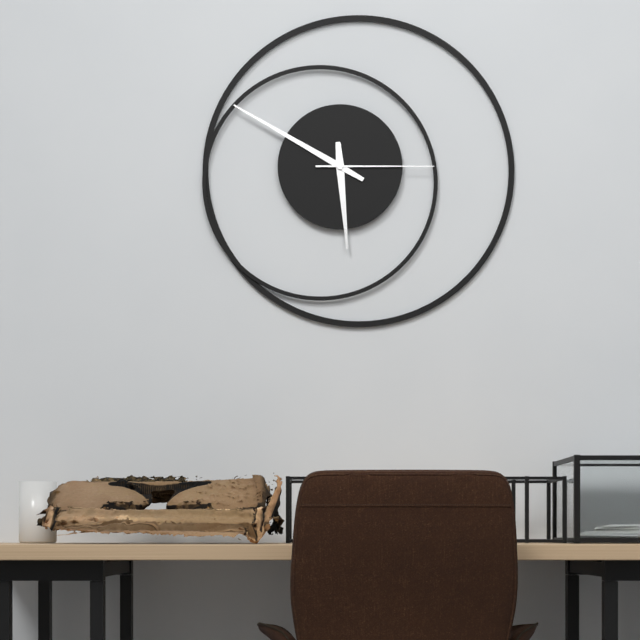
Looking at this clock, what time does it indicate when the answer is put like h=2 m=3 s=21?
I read h=5 m=50 s=15
